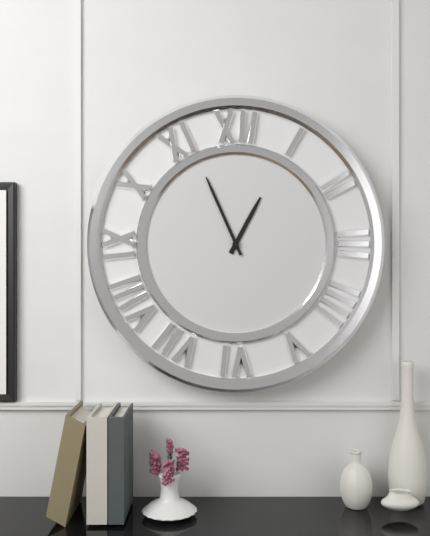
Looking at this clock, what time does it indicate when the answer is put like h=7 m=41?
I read h=12 m=56
